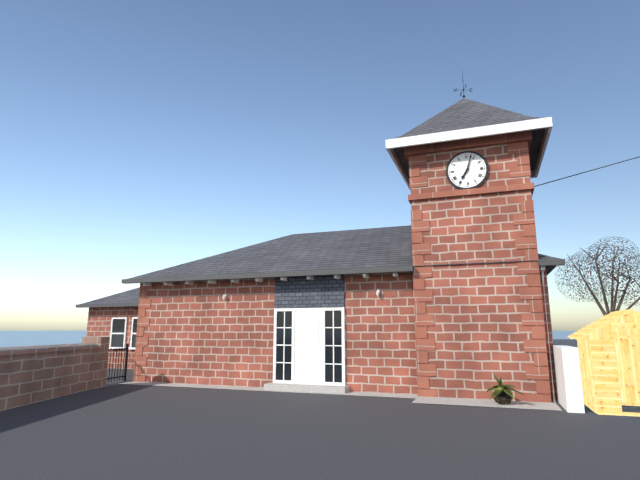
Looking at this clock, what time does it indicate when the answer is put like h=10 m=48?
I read h=7 m=3
